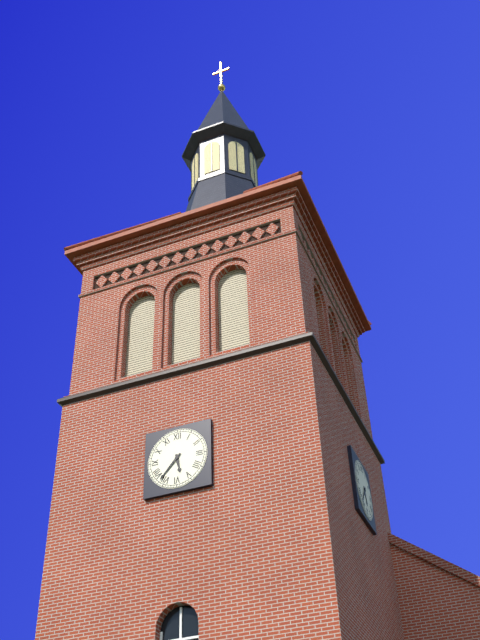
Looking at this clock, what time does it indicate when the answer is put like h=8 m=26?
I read h=5 m=37
